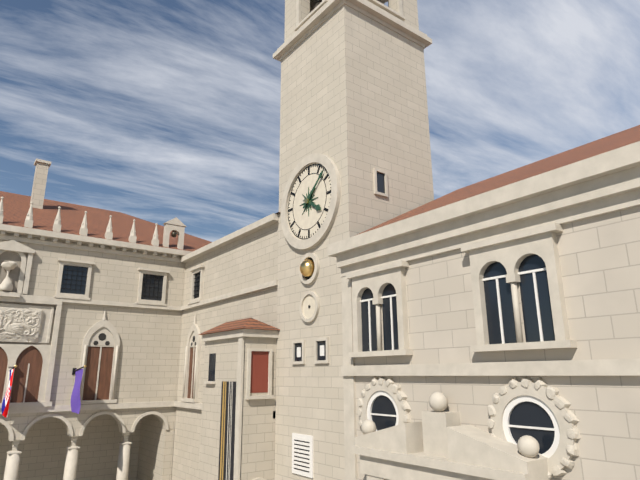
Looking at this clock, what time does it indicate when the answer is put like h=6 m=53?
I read h=4 m=8
